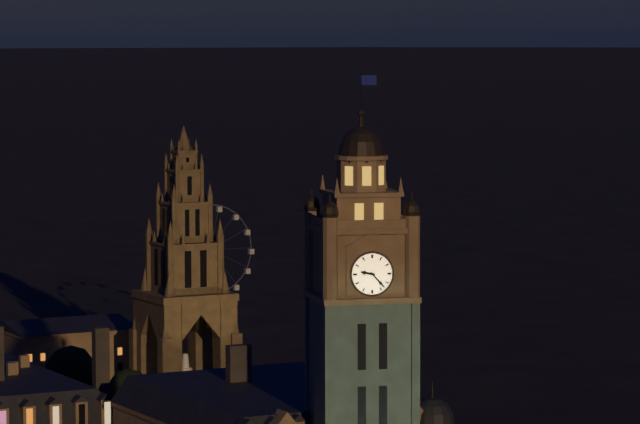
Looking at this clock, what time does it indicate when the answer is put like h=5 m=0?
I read h=9 m=23
